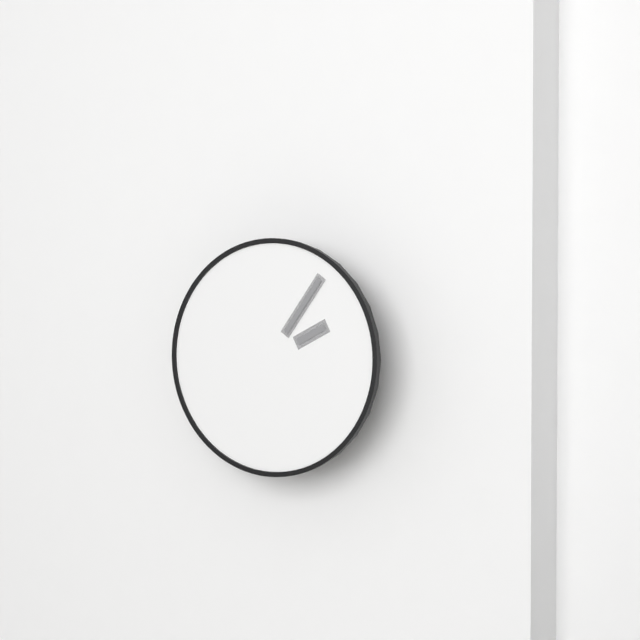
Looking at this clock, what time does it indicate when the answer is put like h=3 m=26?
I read h=2 m=6
